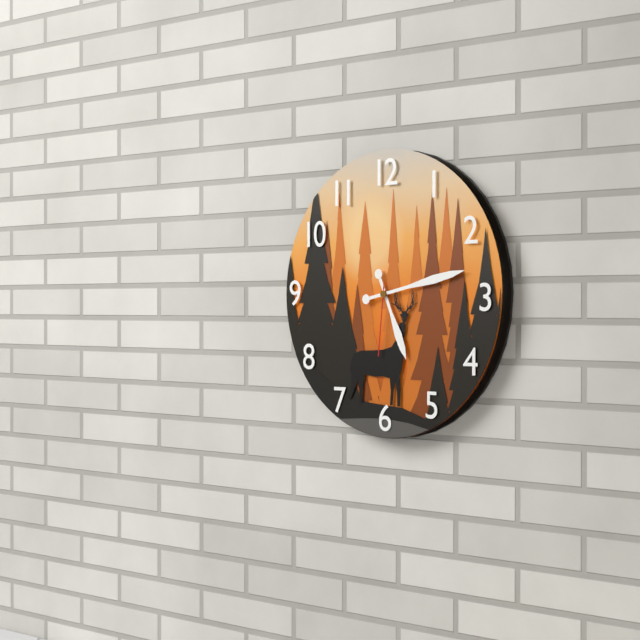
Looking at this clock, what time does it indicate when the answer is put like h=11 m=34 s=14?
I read h=5 m=13 s=31
